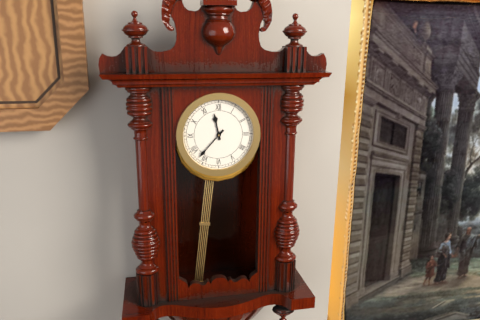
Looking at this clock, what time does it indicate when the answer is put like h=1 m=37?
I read h=11 m=37
